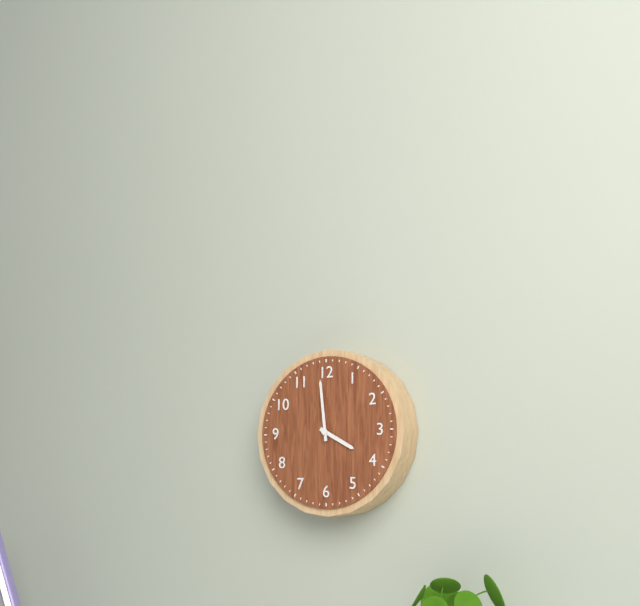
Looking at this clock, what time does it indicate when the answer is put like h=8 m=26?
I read h=3 m=59
